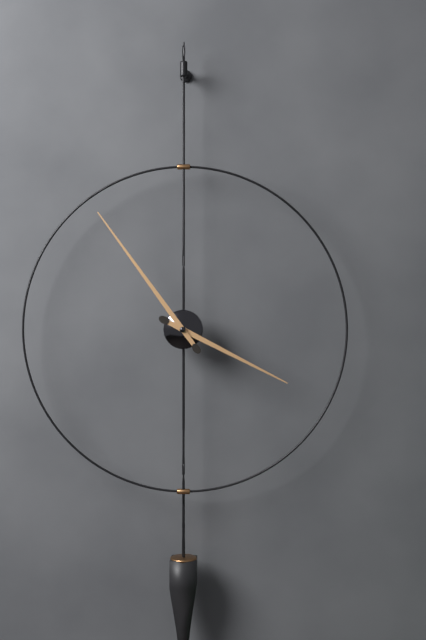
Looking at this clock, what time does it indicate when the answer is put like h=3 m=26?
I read h=3 m=54
